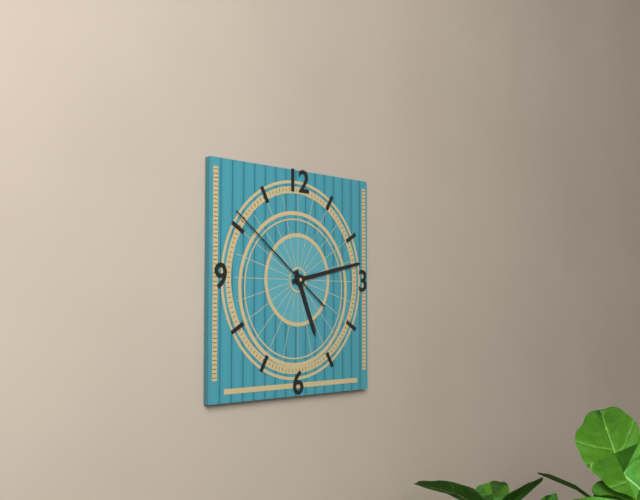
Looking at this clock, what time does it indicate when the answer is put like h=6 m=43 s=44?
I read h=5 m=13 s=51
